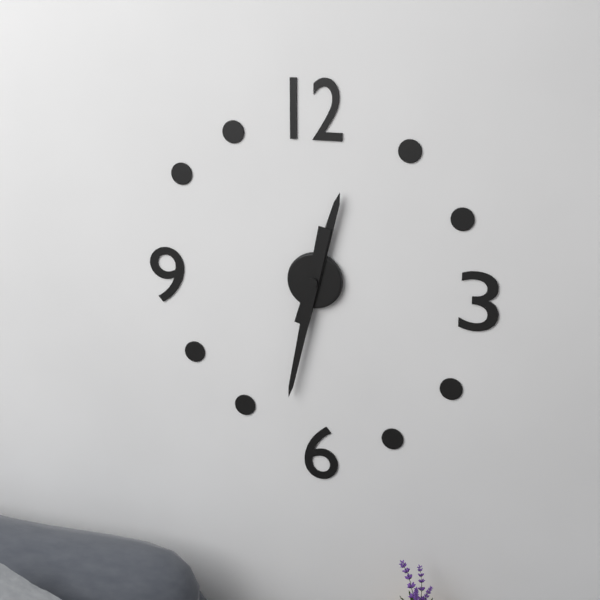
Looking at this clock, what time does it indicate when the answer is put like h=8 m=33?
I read h=12 m=32
